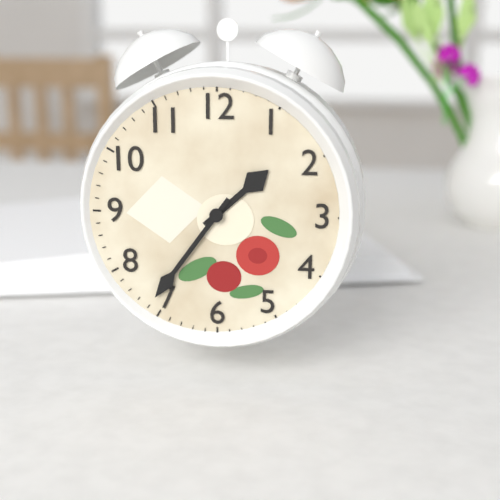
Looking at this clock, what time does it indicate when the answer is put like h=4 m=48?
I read h=1 m=36
